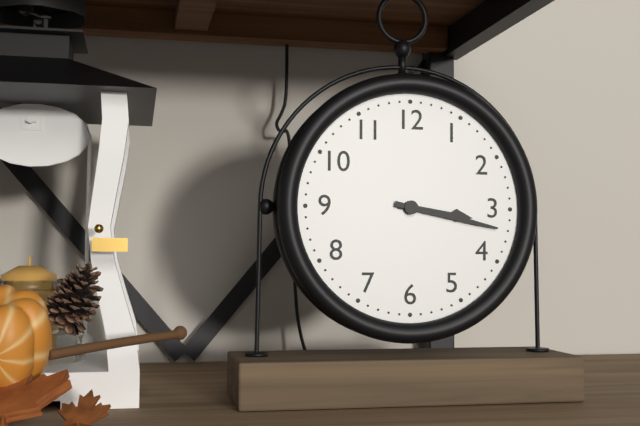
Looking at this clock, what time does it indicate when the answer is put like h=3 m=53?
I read h=3 m=17
